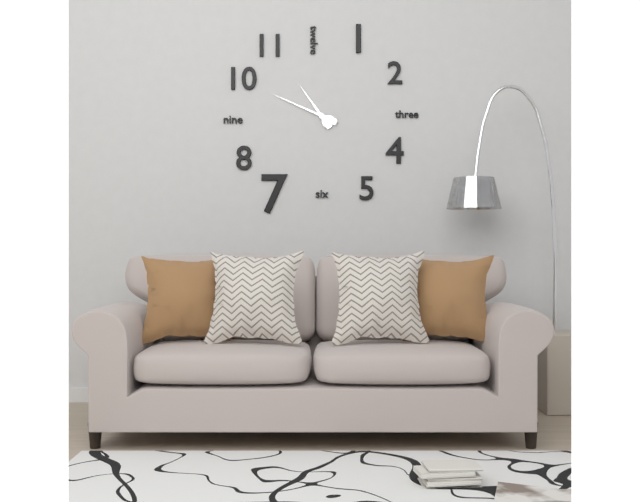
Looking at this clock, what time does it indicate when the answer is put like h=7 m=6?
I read h=10 m=49
